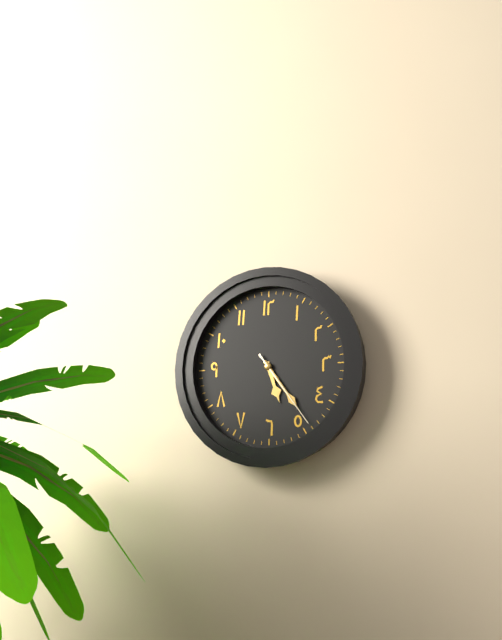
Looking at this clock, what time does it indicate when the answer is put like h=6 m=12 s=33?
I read h=5 m=24 s=24
